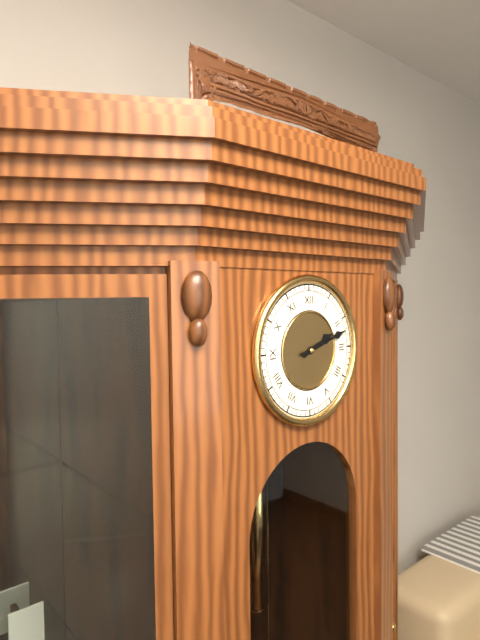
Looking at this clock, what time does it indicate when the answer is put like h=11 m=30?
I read h=2 m=12
